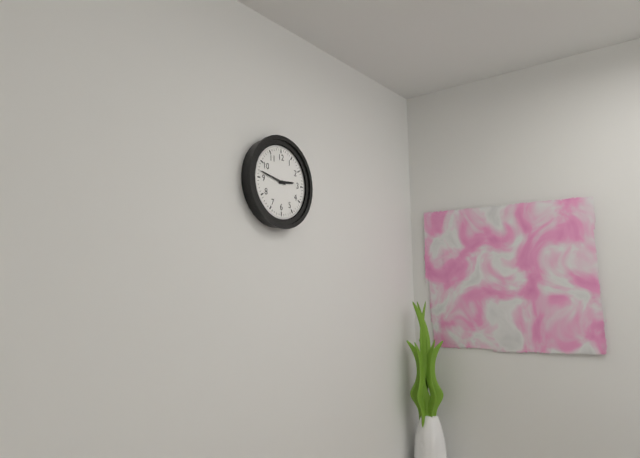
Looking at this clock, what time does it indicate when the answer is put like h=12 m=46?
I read h=2 m=47
